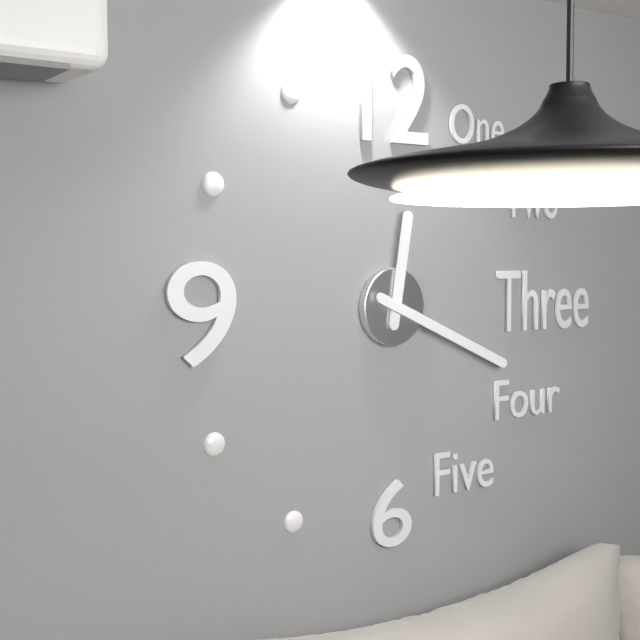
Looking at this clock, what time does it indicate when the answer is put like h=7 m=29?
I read h=12 m=19
